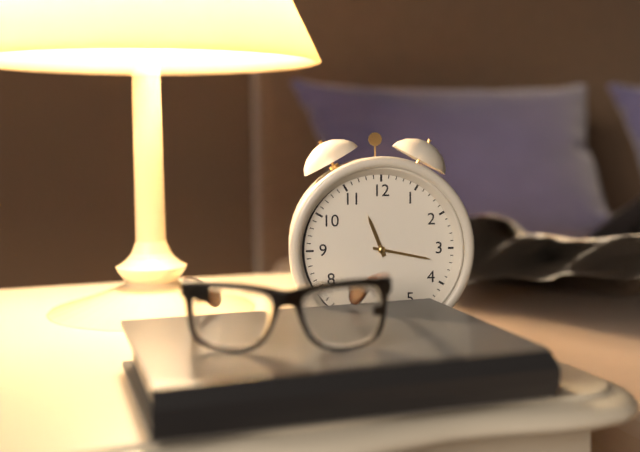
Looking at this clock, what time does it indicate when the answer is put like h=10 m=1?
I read h=11 m=17
